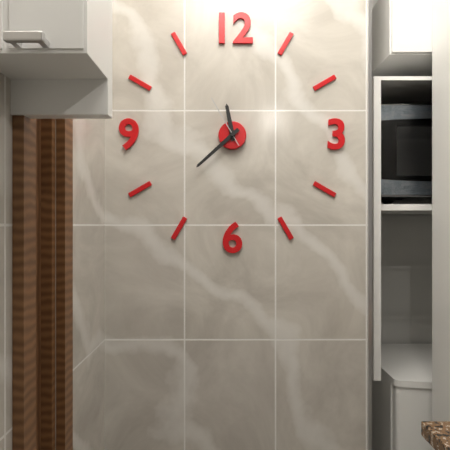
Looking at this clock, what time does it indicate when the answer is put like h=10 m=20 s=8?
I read h=11 m=38 s=55
